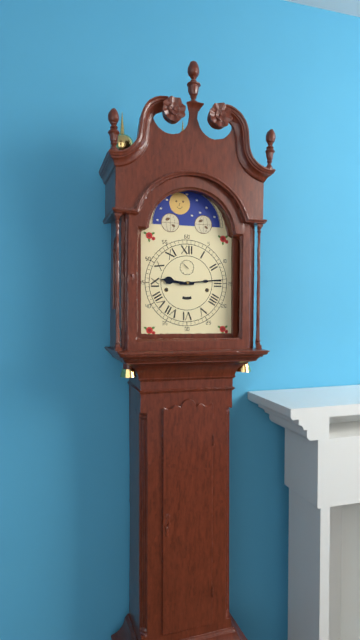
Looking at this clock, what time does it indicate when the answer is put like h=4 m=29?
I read h=9 m=14
